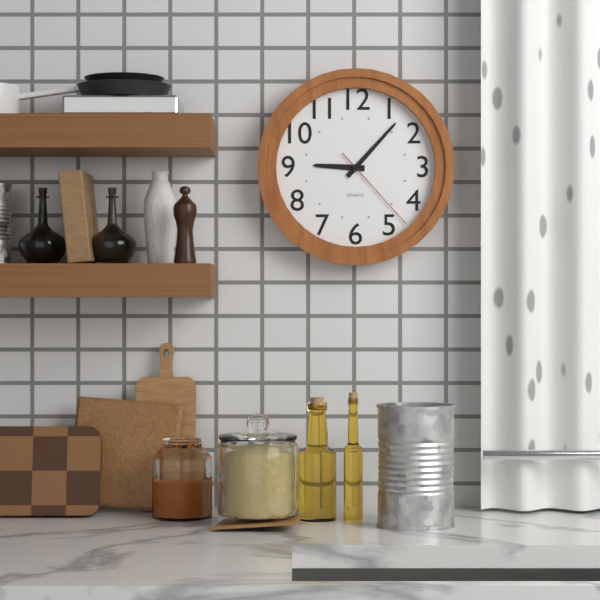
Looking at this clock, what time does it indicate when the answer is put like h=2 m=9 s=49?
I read h=9 m=7 s=23
